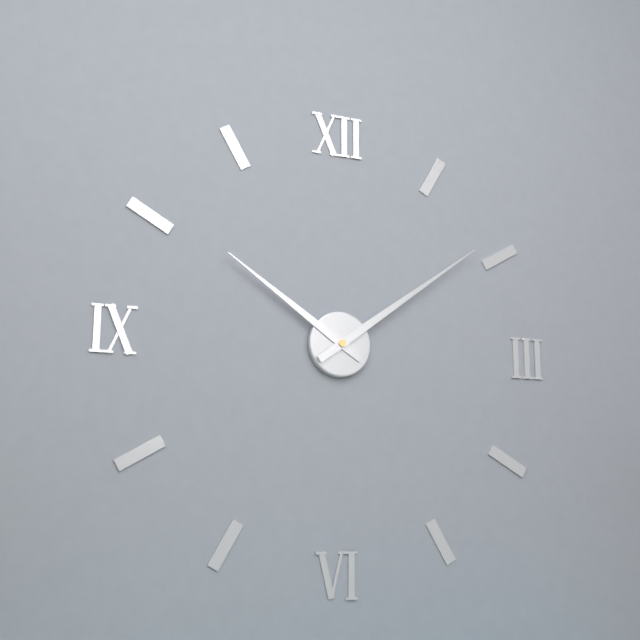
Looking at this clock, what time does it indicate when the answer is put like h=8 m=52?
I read h=10 m=9
